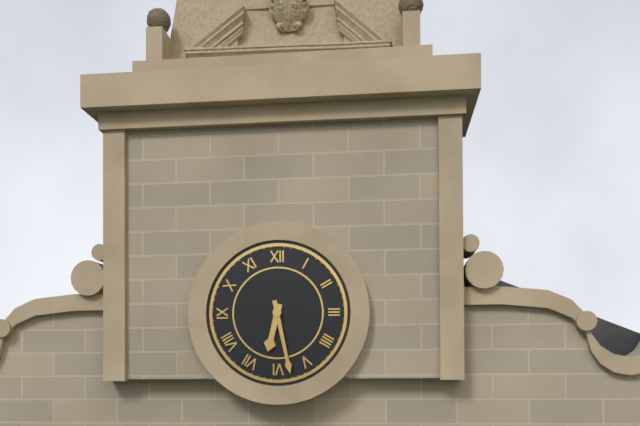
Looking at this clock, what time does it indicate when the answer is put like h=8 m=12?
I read h=6 m=28
